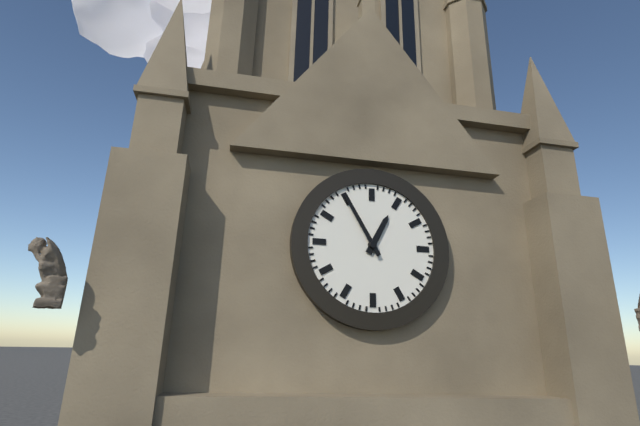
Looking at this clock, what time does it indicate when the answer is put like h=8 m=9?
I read h=12 m=55
